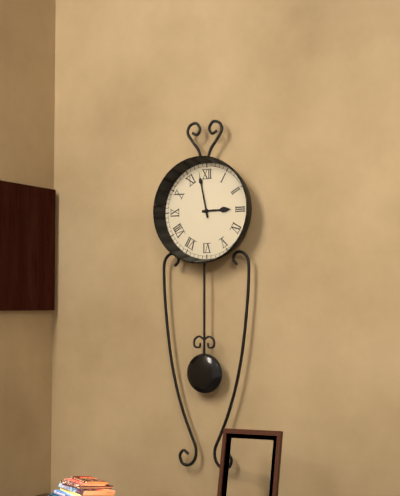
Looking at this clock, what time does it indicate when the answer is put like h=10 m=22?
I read h=2 m=58
